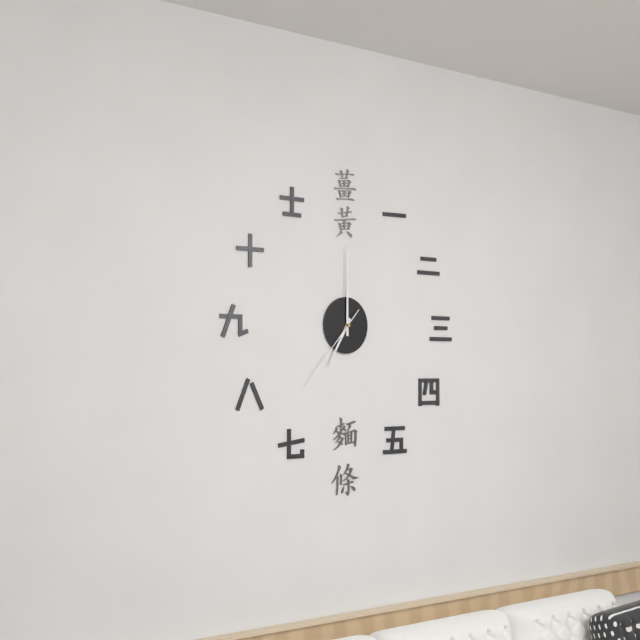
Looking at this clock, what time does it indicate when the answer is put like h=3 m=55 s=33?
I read h=7 m=0 s=37
